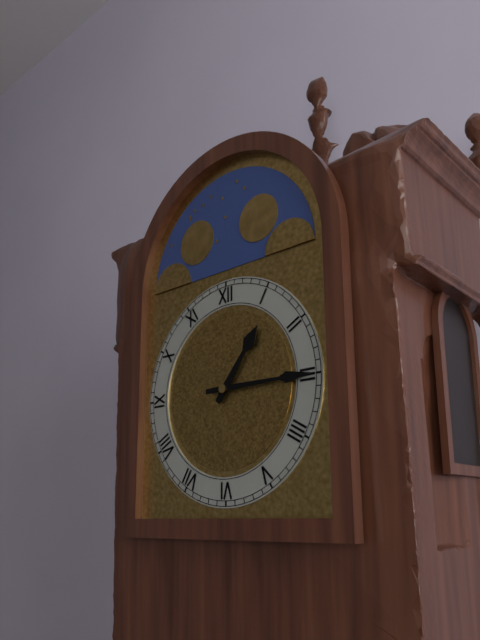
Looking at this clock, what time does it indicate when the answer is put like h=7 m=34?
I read h=1 m=15
